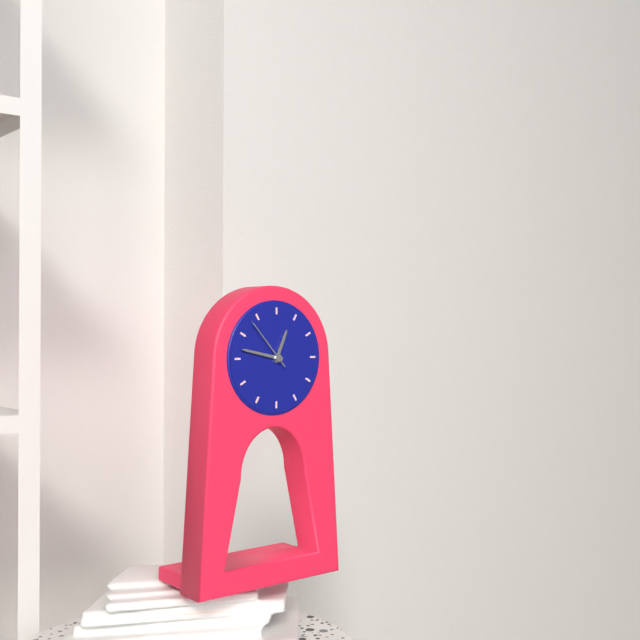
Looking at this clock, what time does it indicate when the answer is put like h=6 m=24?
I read h=12 m=47
